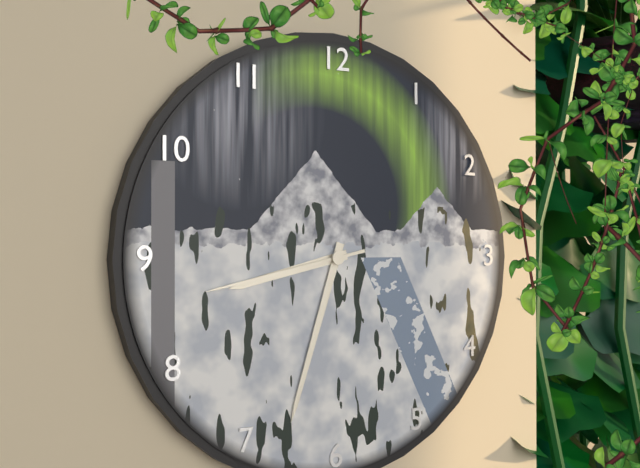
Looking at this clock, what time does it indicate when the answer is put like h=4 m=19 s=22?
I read h=8 m=33 s=43
